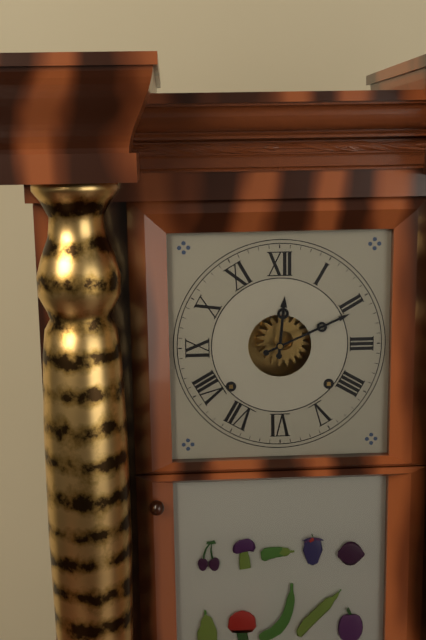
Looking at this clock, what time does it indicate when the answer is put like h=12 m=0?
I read h=12 m=11
